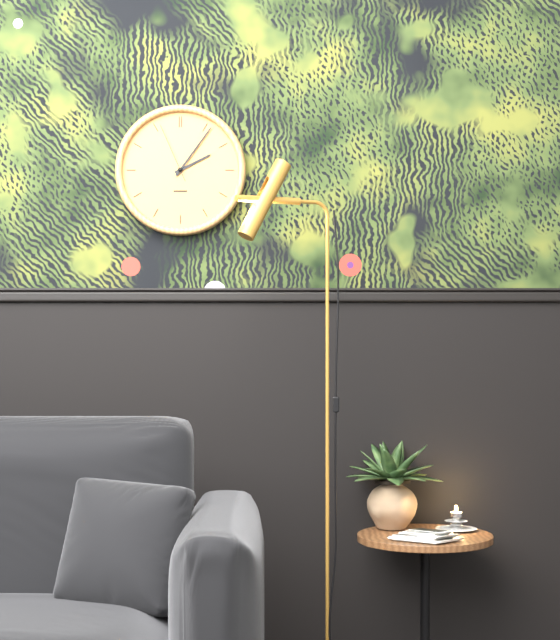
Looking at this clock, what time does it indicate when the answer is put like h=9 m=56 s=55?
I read h=2 m=6 s=56
